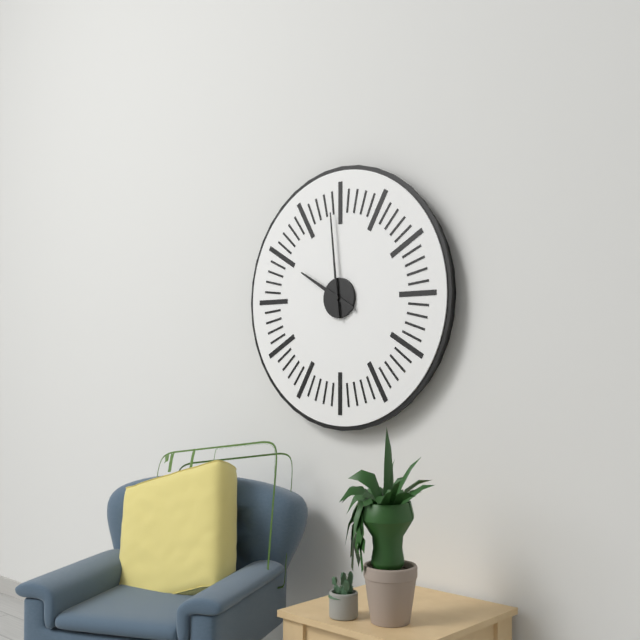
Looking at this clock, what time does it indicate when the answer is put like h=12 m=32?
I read h=9 m=59
